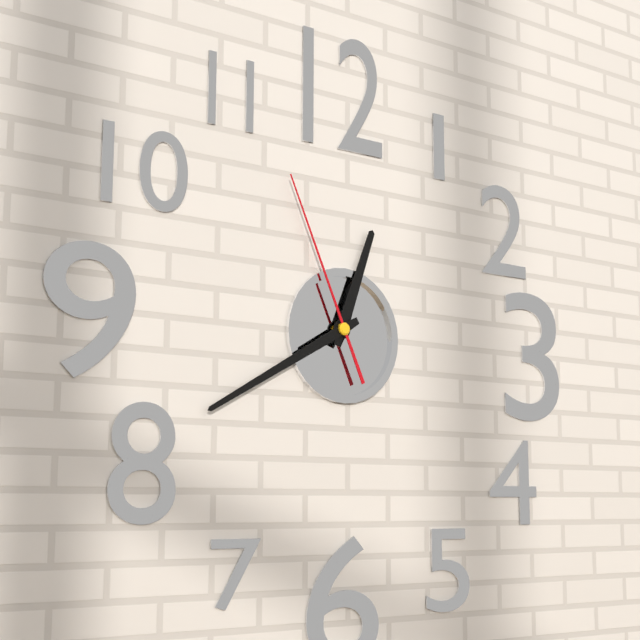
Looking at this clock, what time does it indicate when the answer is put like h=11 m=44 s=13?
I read h=12 m=40 s=56
